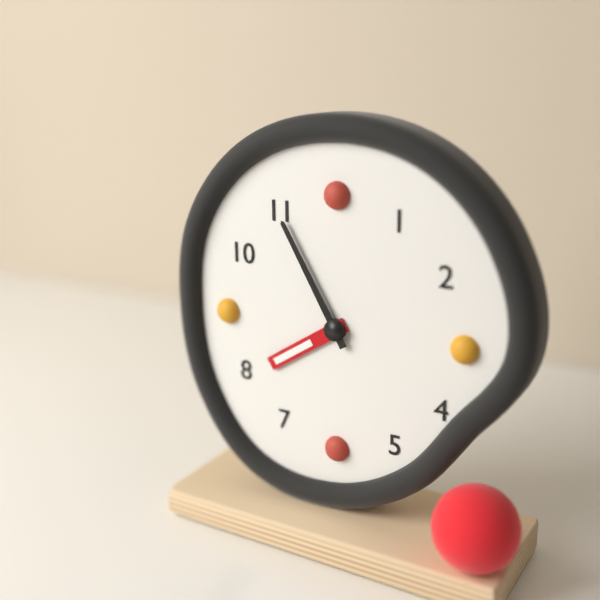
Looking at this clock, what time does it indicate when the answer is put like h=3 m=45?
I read h=7 m=55
